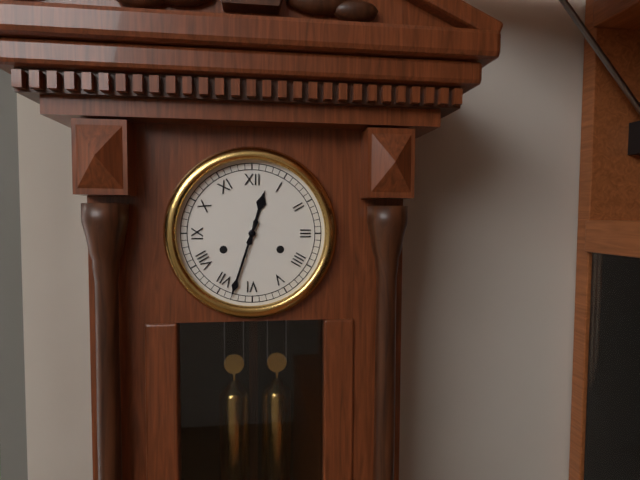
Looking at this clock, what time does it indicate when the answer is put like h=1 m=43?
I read h=12 m=33
